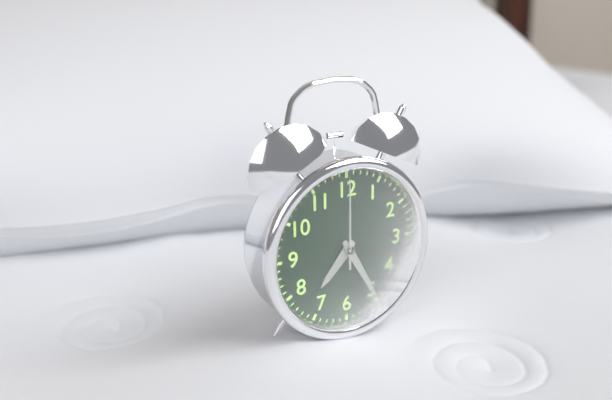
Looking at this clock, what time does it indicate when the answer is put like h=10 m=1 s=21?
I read h=7 m=25 s=0
